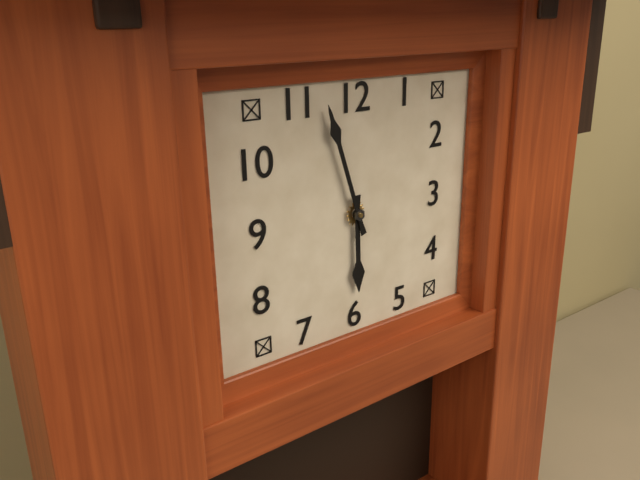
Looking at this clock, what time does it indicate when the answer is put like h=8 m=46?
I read h=5 m=57
